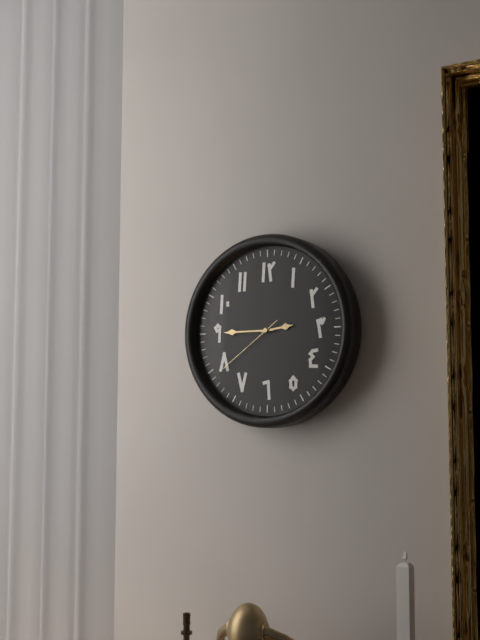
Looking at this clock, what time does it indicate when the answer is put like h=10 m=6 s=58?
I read h=2 m=45 s=39
